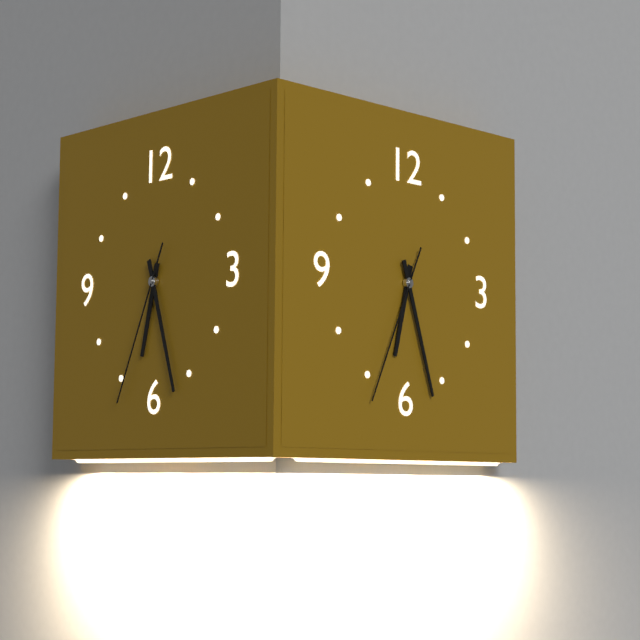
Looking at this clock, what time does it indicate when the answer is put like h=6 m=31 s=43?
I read h=6 m=27 s=34
